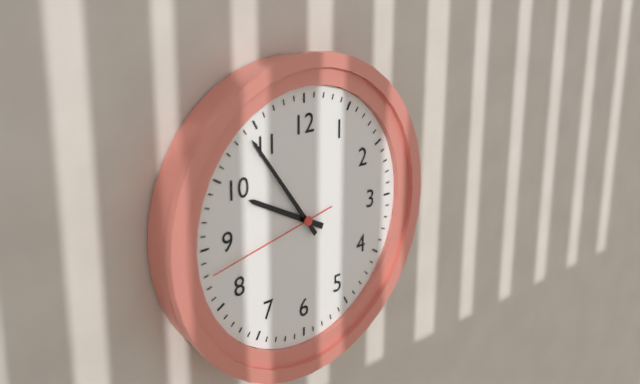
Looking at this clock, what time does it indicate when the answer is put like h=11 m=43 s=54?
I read h=9 m=54 s=43
